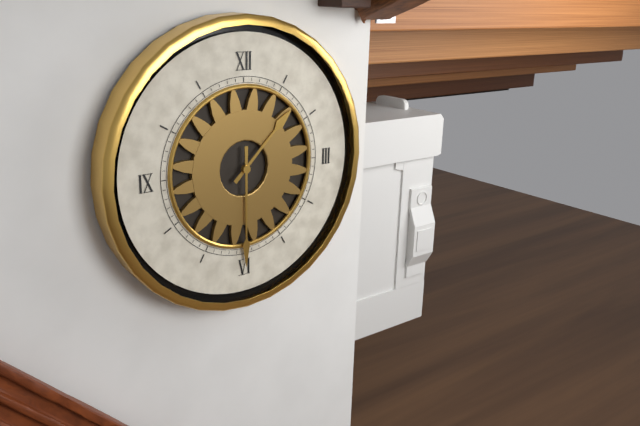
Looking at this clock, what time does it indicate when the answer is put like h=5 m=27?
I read h=1 m=30
